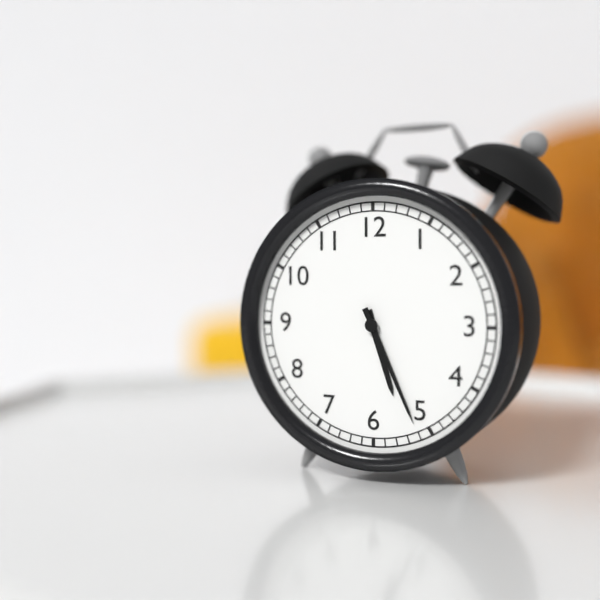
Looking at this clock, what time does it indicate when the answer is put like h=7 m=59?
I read h=5 m=26
